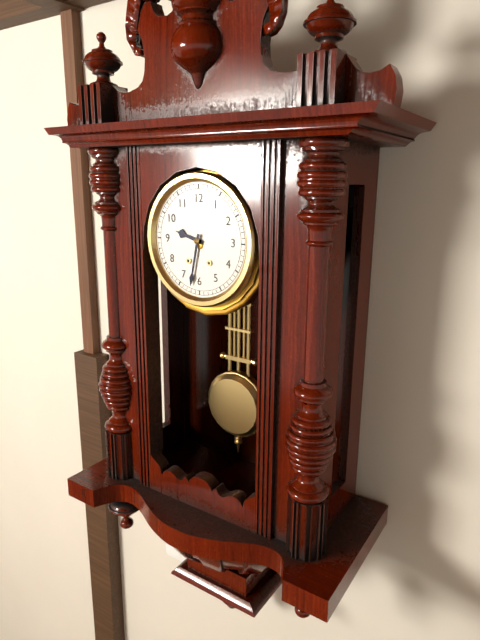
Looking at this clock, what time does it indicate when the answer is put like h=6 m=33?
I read h=9 m=32
